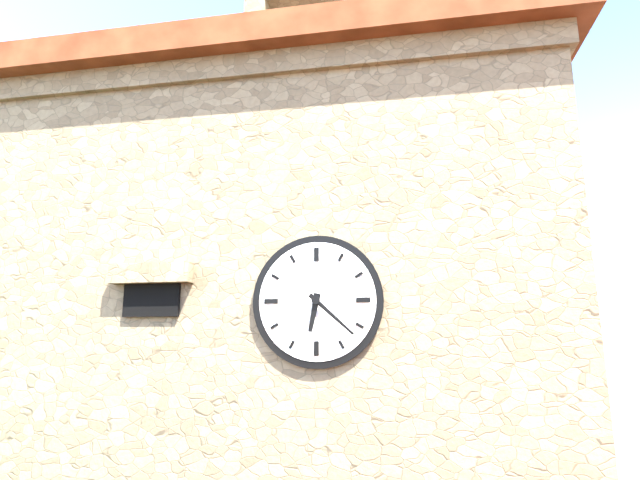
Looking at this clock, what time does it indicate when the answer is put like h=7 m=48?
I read h=6 m=22
